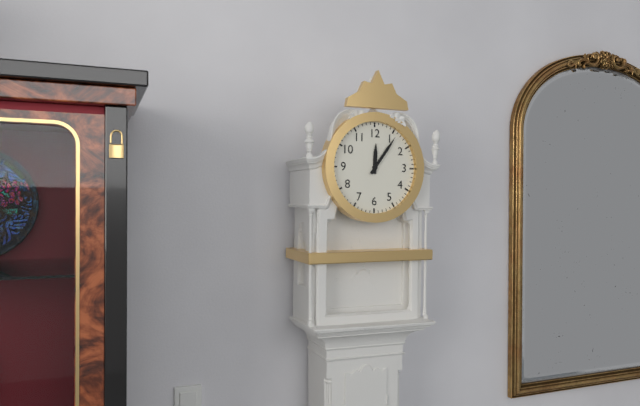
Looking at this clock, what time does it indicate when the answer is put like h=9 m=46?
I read h=12 m=6
